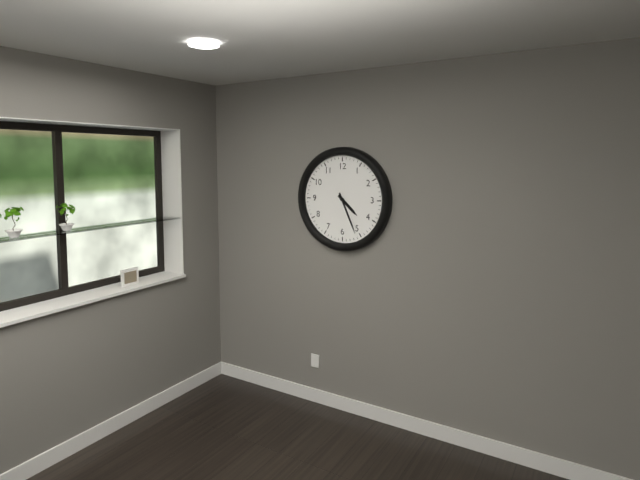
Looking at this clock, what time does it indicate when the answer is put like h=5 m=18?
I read h=4 m=26
